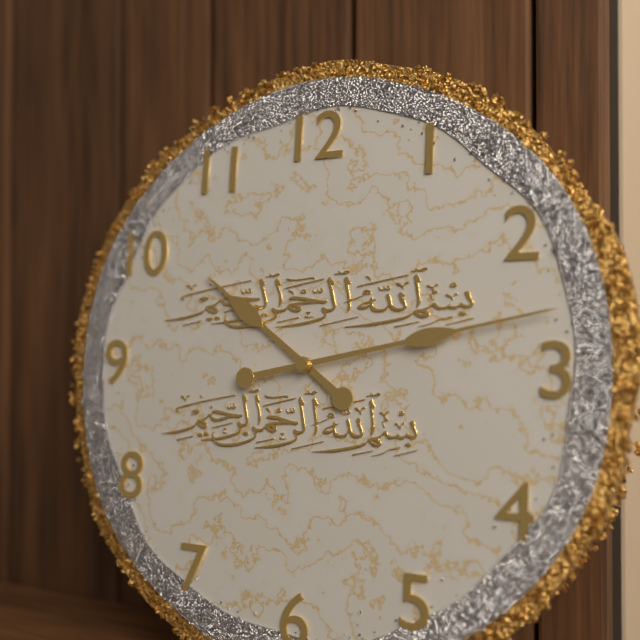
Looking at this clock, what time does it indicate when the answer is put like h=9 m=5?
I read h=10 m=13
